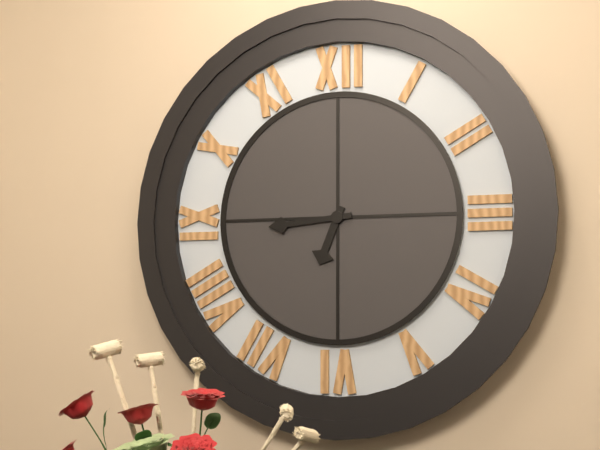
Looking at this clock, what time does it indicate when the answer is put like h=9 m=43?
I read h=6 m=44
